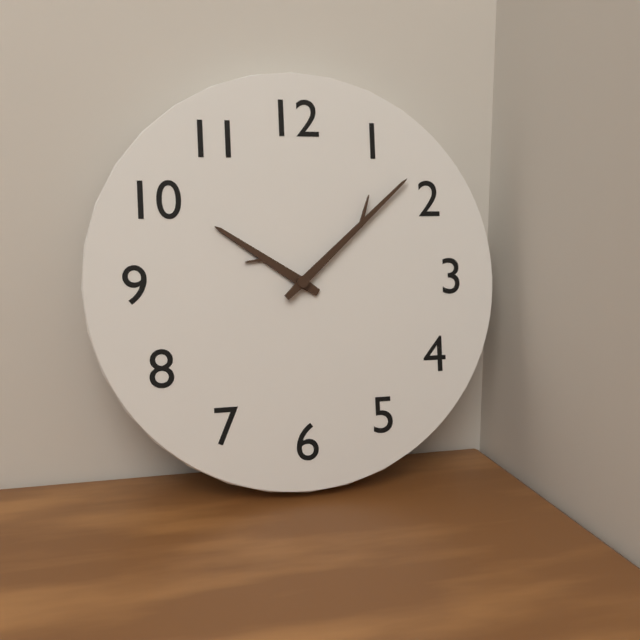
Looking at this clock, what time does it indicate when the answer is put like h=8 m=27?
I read h=10 m=8
